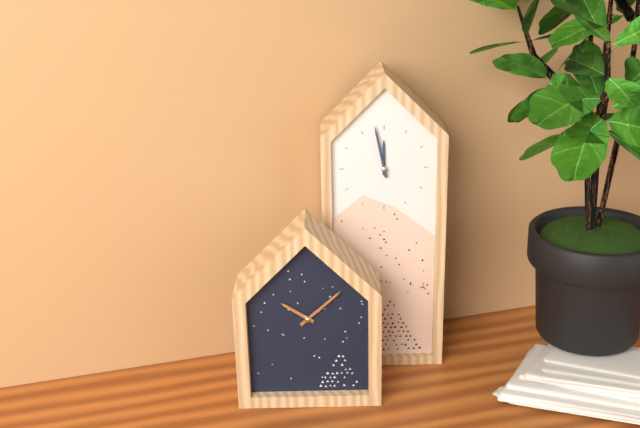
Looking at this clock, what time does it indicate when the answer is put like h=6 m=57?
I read h=11 m=58
